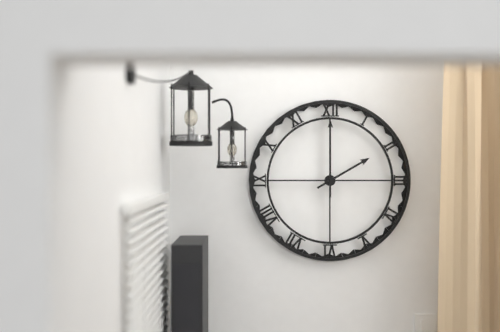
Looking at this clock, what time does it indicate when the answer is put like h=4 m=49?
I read h=2 m=0
